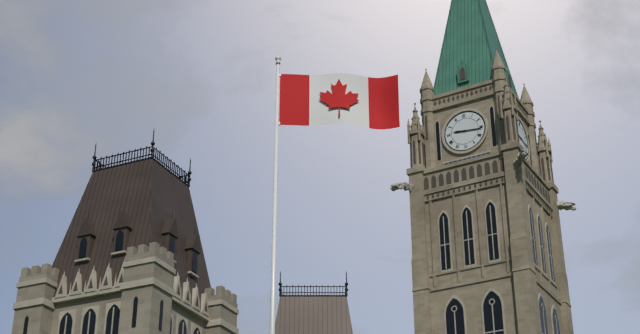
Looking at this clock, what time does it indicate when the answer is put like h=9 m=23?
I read h=9 m=16
